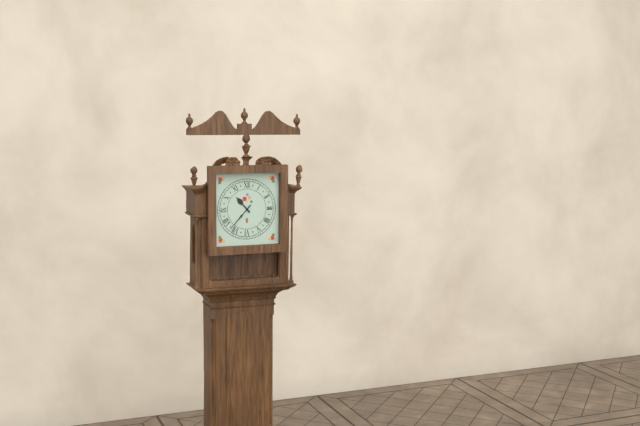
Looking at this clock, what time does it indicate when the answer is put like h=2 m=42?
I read h=10 m=37
